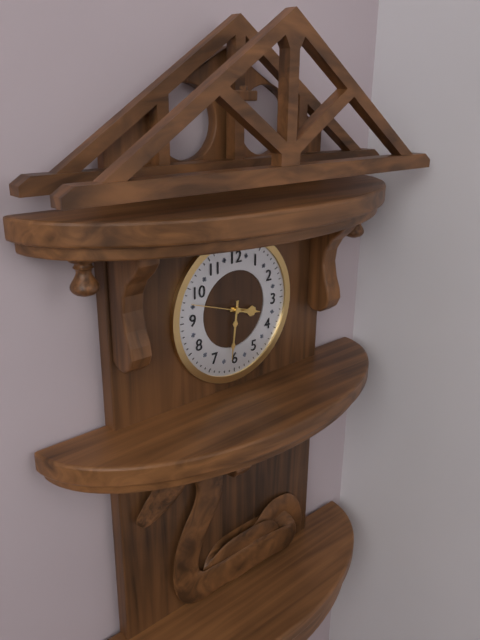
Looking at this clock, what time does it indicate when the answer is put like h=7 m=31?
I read h=3 m=31
